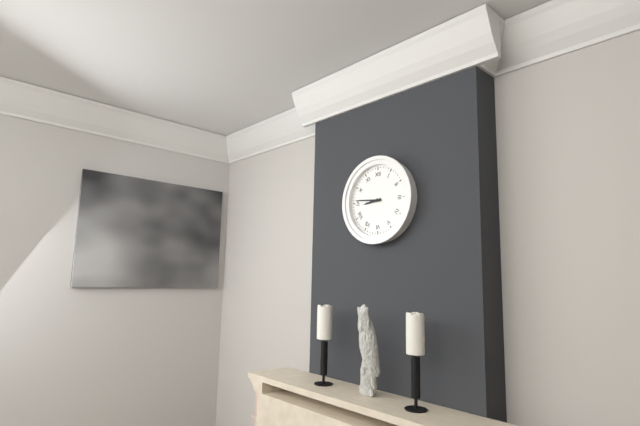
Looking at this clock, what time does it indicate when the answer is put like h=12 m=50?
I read h=8 m=46
